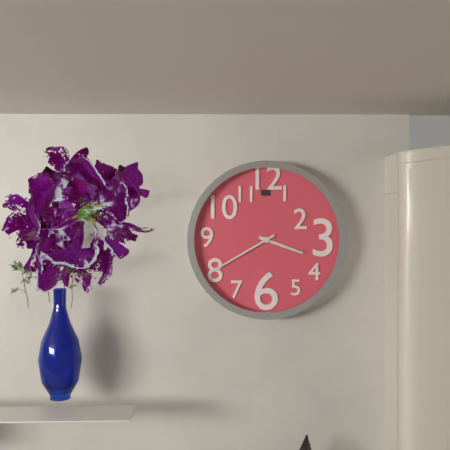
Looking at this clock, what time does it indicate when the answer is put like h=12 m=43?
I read h=3 m=40
